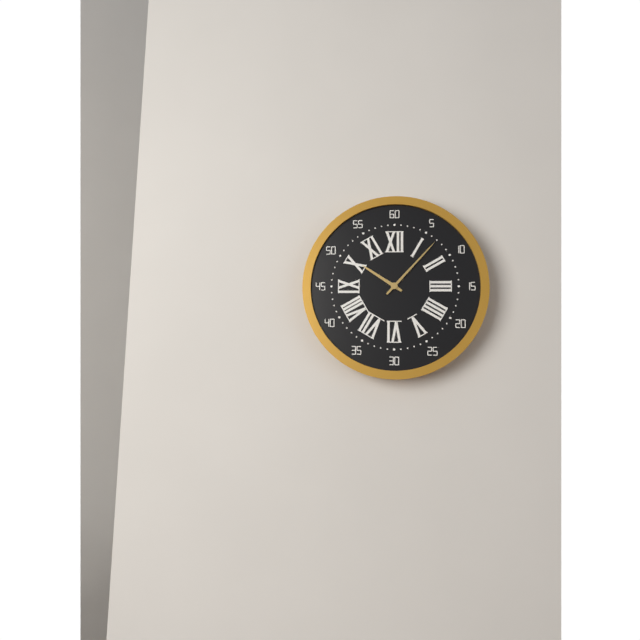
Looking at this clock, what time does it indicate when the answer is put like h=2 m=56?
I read h=10 m=7
